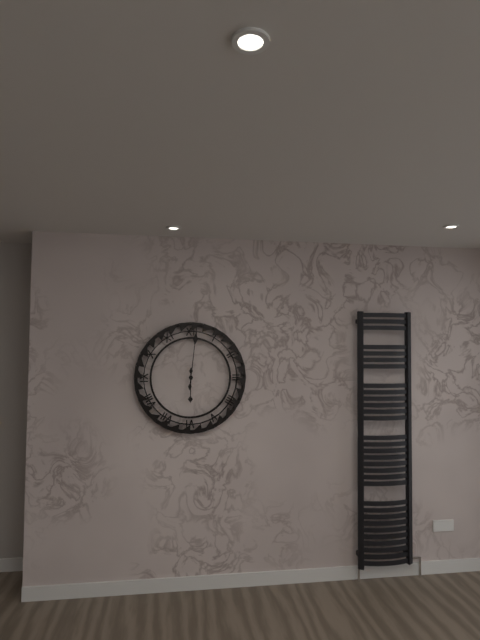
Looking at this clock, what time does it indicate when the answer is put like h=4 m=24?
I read h=6 m=1
